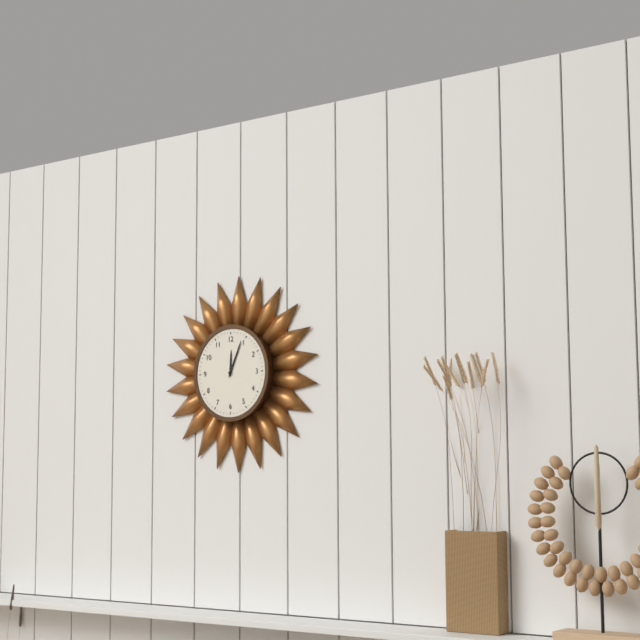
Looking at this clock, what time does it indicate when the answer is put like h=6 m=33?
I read h=12 m=4
